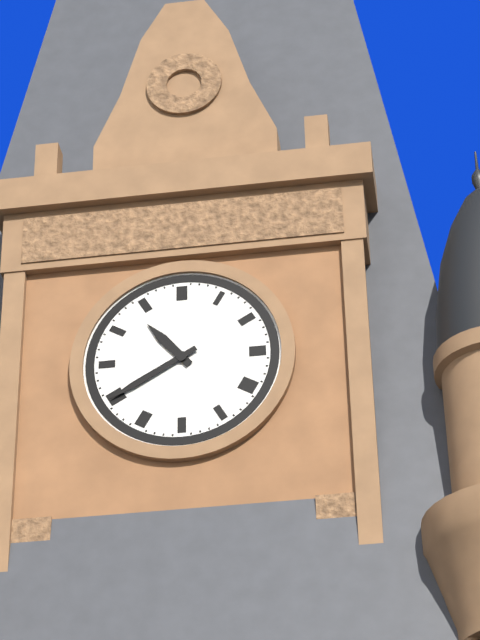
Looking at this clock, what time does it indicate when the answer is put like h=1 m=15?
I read h=10 m=40
